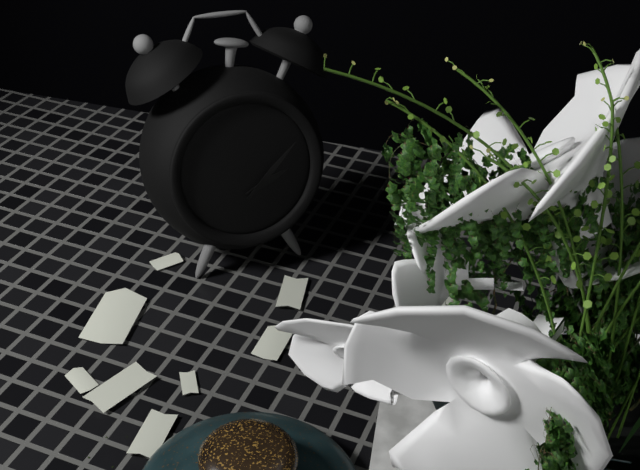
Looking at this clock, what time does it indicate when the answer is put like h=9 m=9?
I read h=2 m=7
